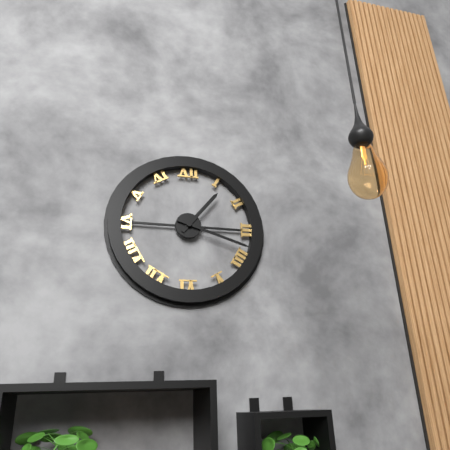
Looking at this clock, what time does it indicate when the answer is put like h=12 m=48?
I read h=1 m=18
